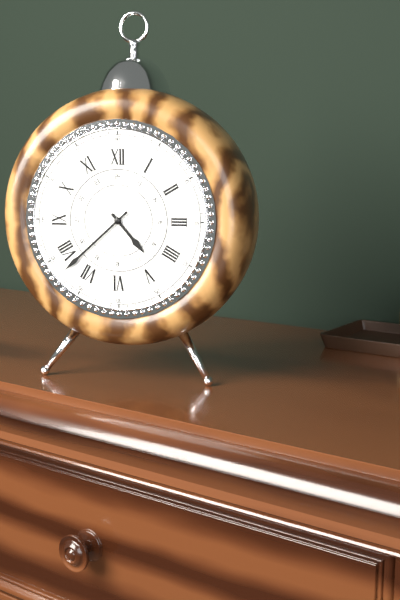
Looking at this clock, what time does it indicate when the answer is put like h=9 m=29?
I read h=4 m=38
